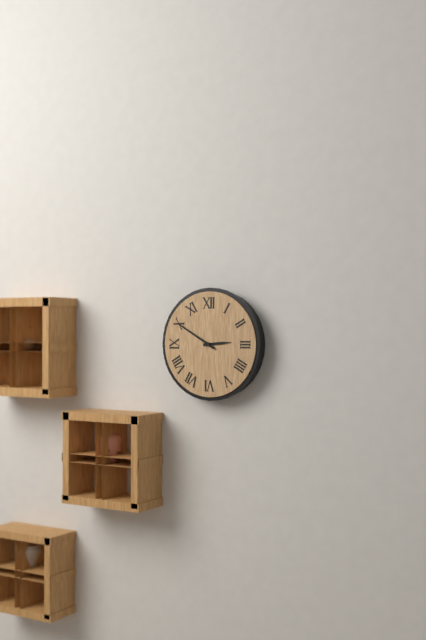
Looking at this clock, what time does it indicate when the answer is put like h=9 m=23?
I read h=2 m=50
